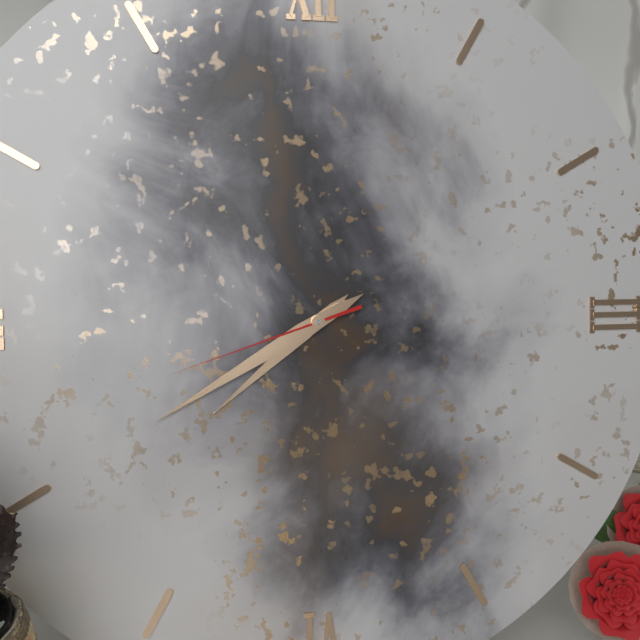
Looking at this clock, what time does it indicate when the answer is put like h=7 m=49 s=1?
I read h=7 m=40 s=42
